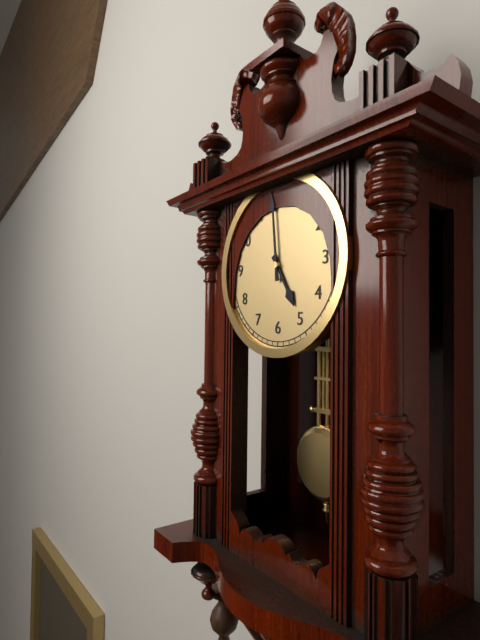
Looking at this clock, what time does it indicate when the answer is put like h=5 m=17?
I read h=4 m=59
